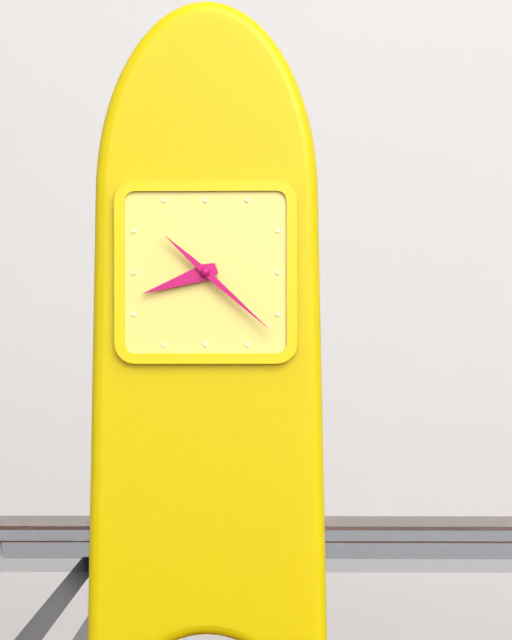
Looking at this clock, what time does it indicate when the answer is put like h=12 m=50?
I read h=8 m=22
